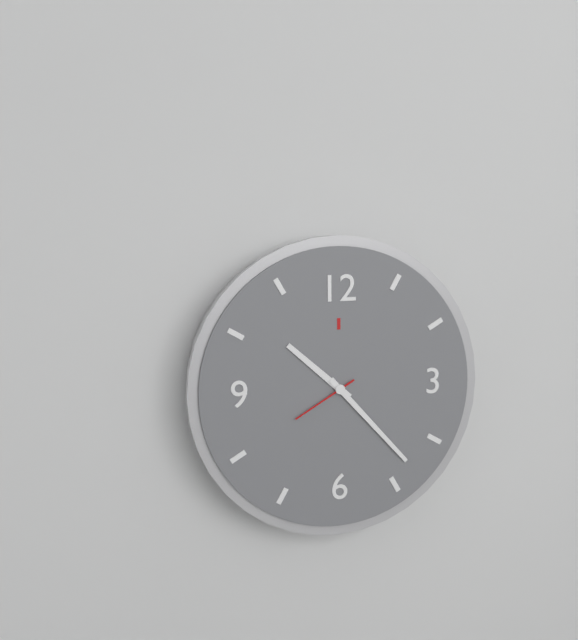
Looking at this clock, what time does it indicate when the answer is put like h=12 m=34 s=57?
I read h=10 m=23 s=40
